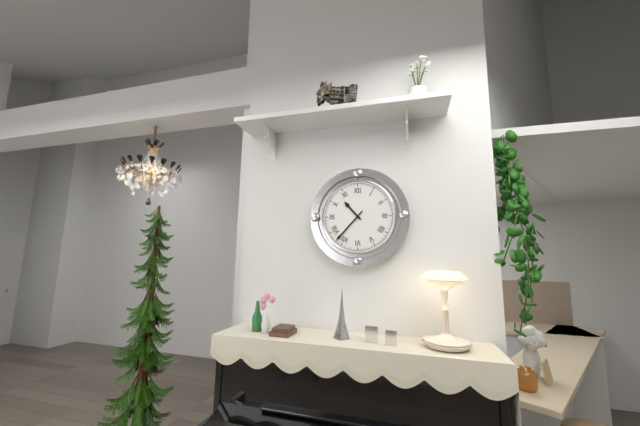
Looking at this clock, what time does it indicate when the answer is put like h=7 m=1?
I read h=10 m=37
